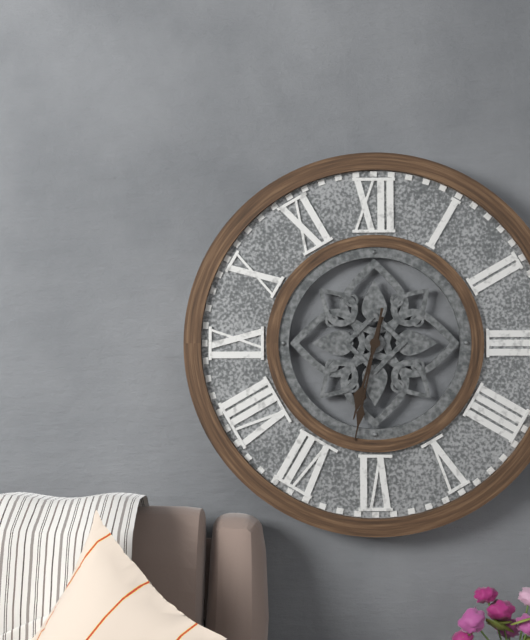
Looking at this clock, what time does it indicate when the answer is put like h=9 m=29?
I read h=6 m=32
